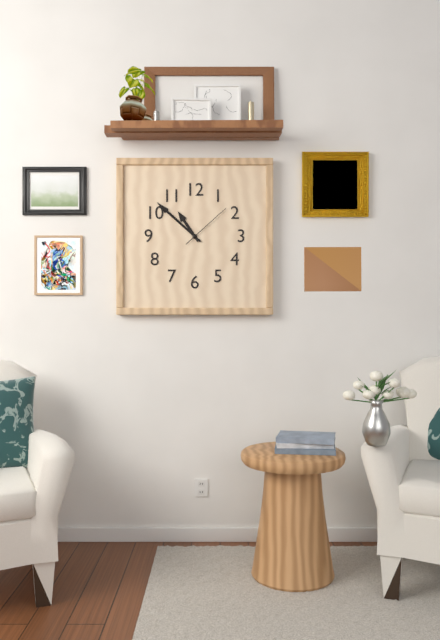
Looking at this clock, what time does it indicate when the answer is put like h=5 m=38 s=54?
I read h=10 m=52 s=8
